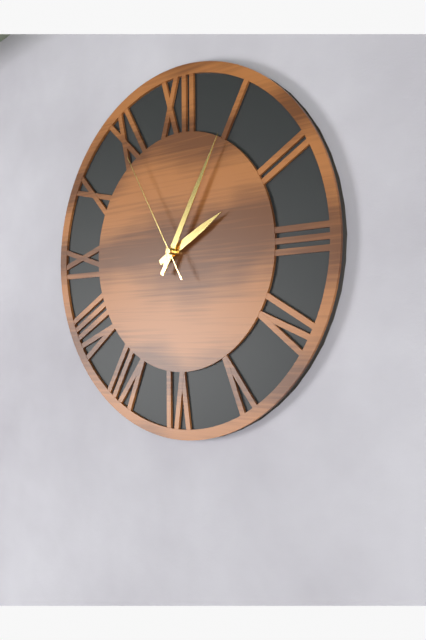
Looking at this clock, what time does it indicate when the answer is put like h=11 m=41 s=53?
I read h=2 m=5 s=55
